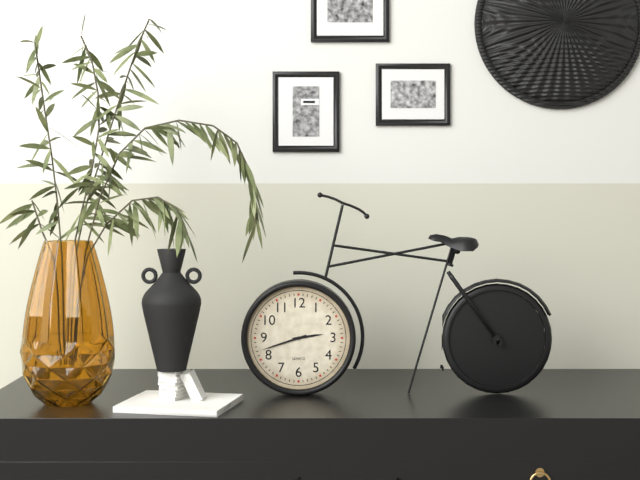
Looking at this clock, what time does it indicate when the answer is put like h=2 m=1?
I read h=2 m=42
